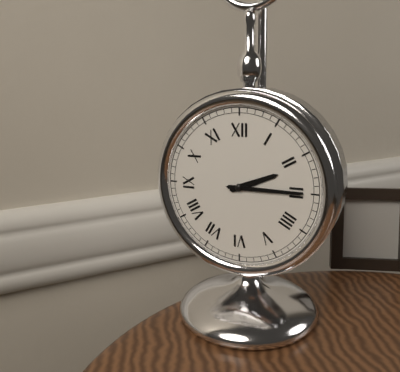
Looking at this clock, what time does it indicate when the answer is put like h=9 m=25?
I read h=2 m=15
